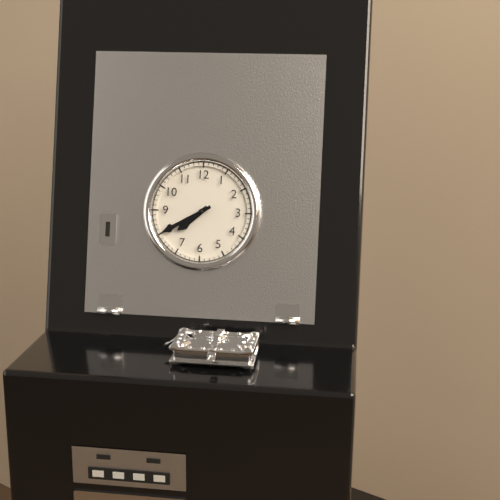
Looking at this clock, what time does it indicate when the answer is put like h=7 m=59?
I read h=7 m=40
